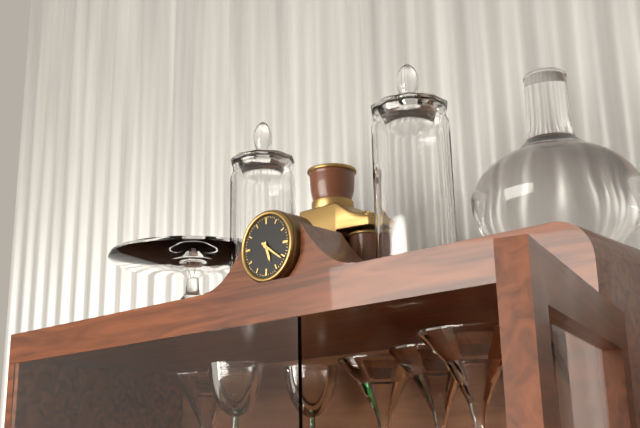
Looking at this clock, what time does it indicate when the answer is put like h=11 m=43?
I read h=5 m=21
